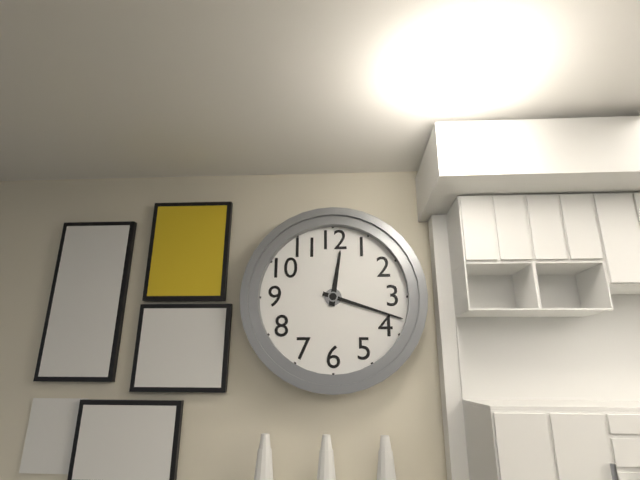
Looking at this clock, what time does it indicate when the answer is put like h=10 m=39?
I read h=12 m=18
